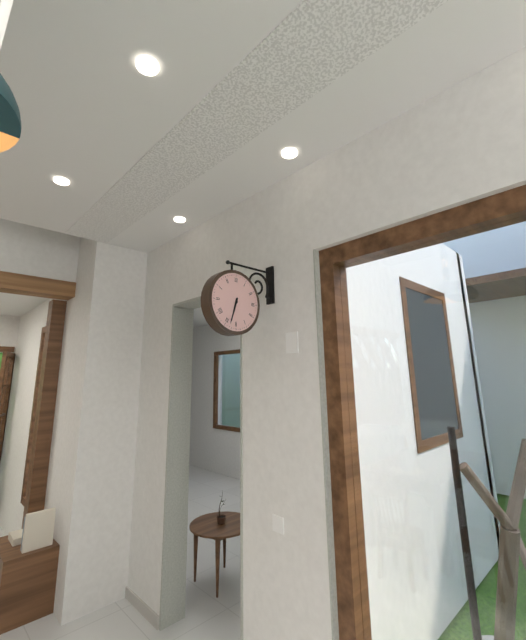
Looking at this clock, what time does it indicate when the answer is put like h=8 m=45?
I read h=6 m=33
